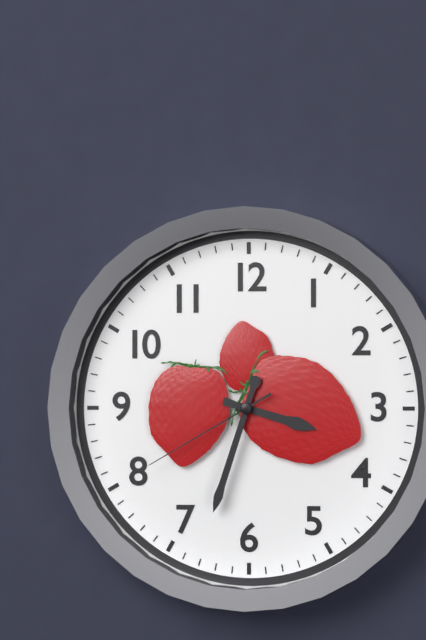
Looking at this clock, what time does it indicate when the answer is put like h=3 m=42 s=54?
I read h=3 m=33 s=40
